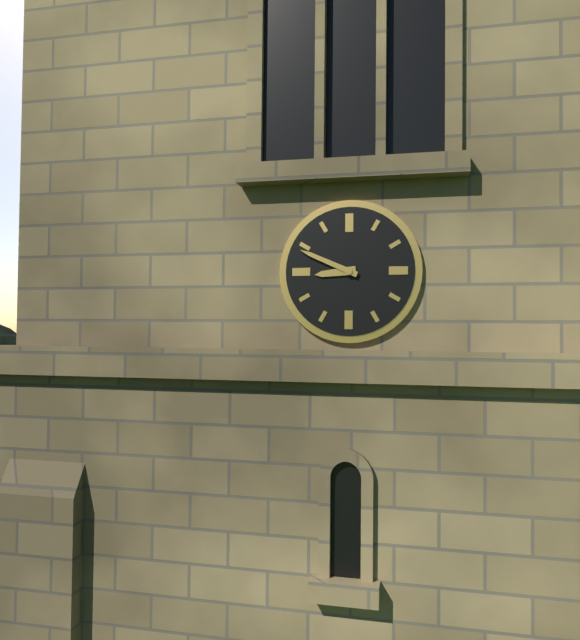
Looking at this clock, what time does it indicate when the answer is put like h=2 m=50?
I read h=8 m=49
